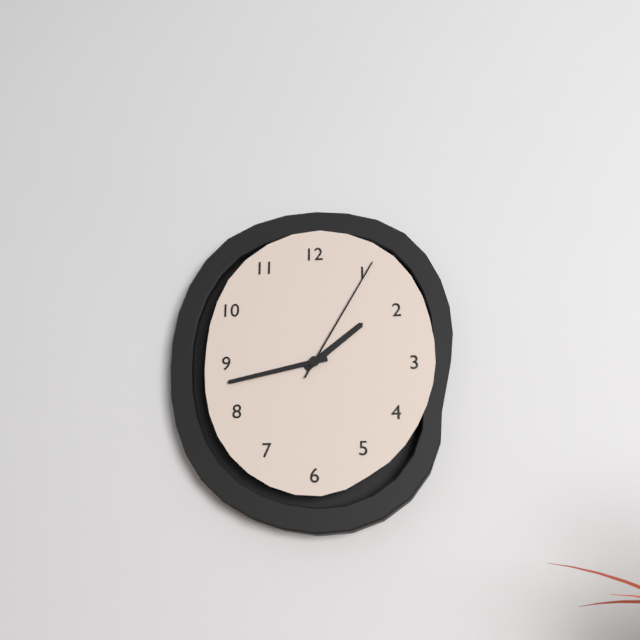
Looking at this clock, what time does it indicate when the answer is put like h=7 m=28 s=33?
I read h=1 m=43 s=5
